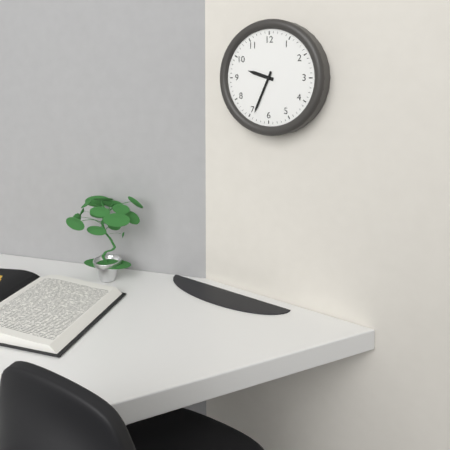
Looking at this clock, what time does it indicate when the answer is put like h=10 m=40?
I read h=9 m=34
